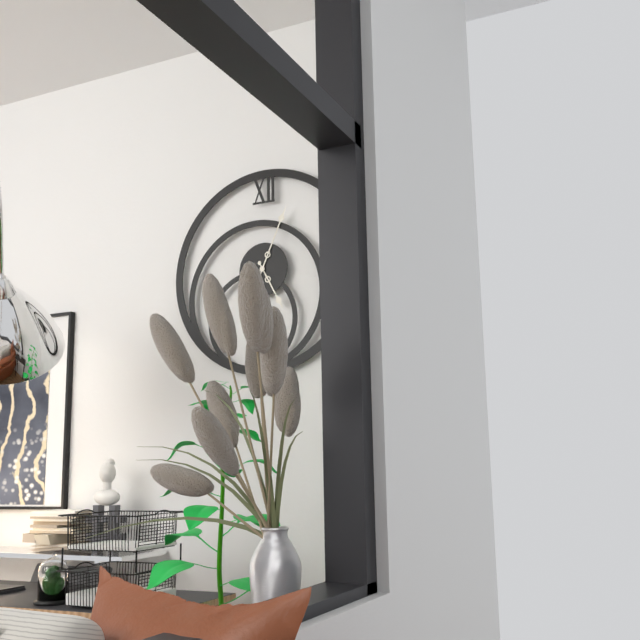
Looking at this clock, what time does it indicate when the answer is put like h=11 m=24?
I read h=5 m=4
